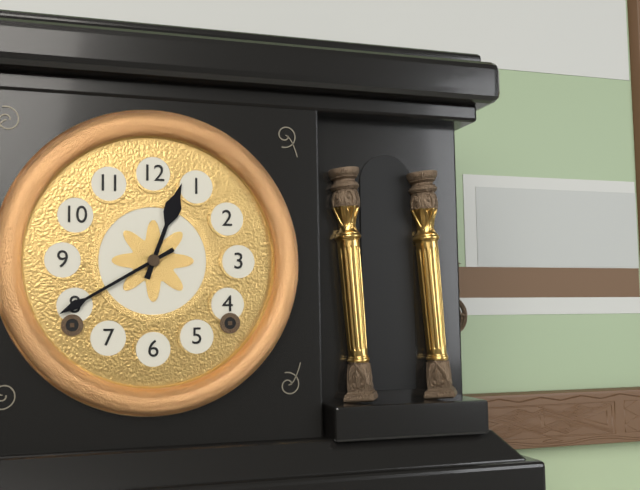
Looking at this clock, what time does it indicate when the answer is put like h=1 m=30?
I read h=12 m=40
